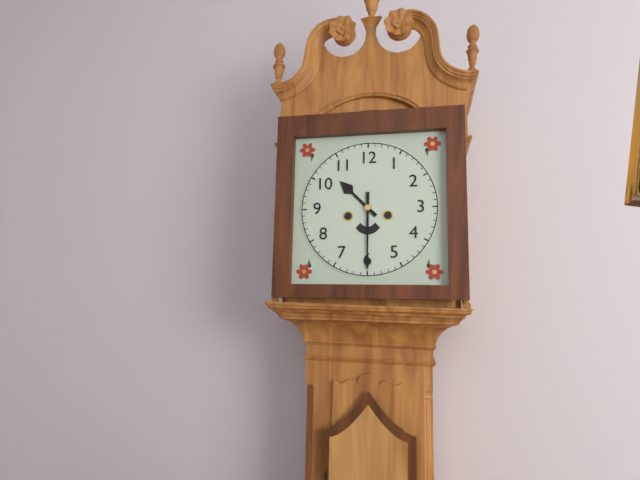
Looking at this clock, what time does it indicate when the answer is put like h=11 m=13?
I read h=10 m=30
